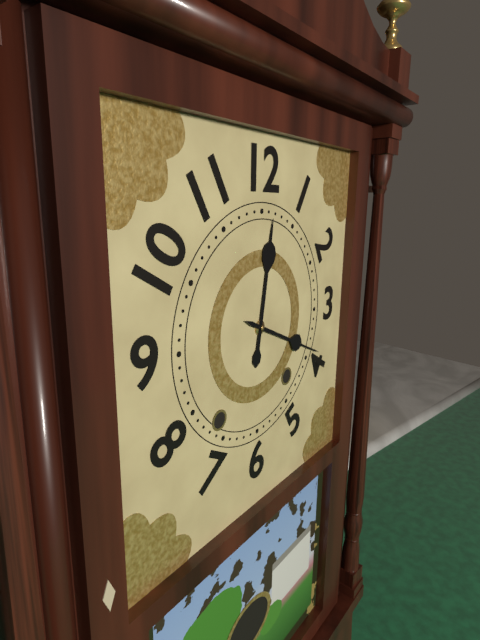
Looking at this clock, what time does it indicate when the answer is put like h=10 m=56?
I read h=12 m=19
